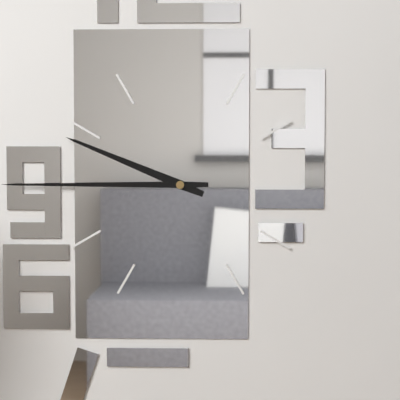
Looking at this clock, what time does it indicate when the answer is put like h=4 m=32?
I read h=9 m=45
